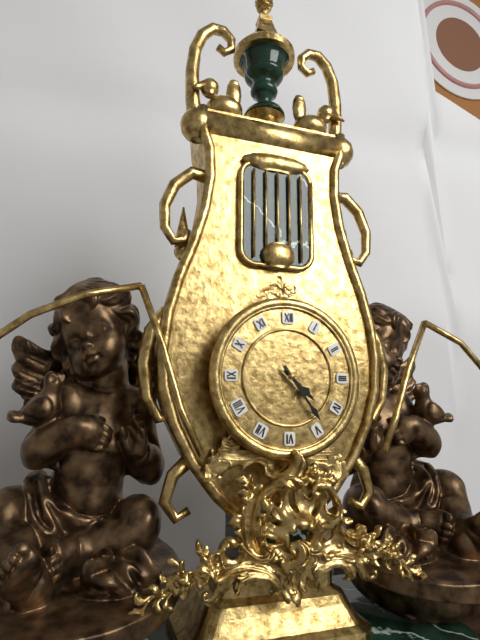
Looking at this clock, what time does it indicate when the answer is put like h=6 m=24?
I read h=4 m=24
